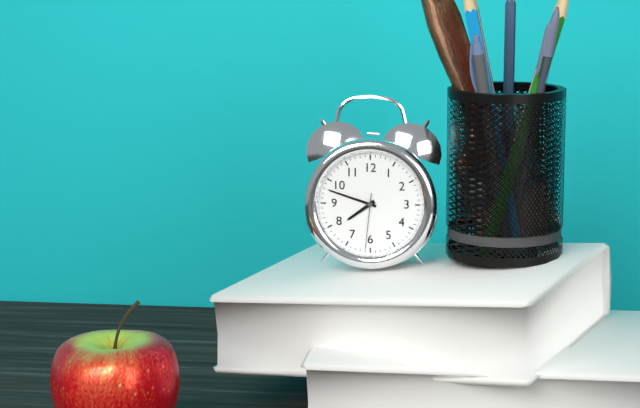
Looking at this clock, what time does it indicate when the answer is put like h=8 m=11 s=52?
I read h=7 m=48 s=31
